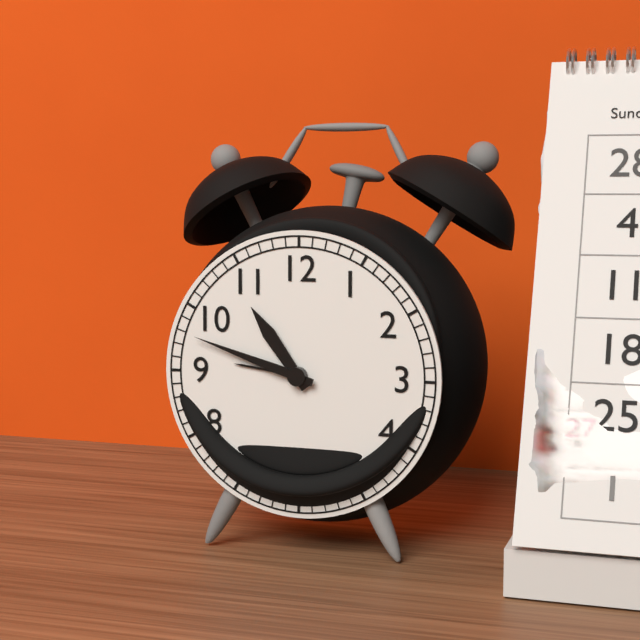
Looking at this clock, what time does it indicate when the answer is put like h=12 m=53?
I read h=10 m=48
